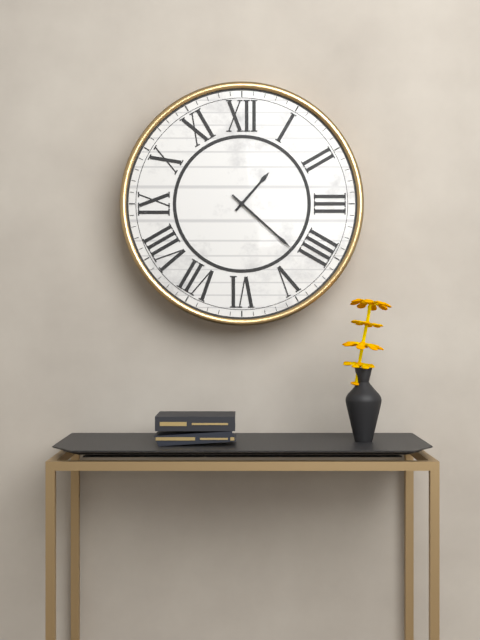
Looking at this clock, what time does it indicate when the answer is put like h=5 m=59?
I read h=1 m=22
